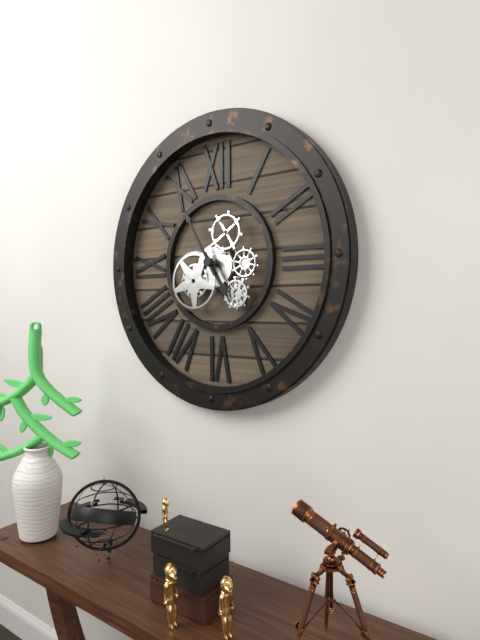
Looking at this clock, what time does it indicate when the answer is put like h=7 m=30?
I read h=4 m=55
